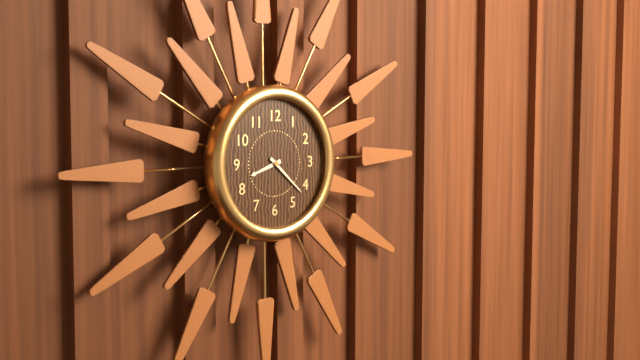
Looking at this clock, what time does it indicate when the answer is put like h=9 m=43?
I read h=8 m=22
